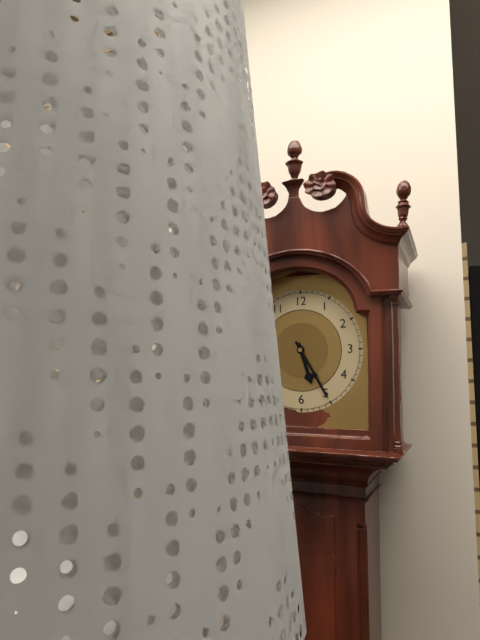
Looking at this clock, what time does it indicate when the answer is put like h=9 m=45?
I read h=5 m=25
